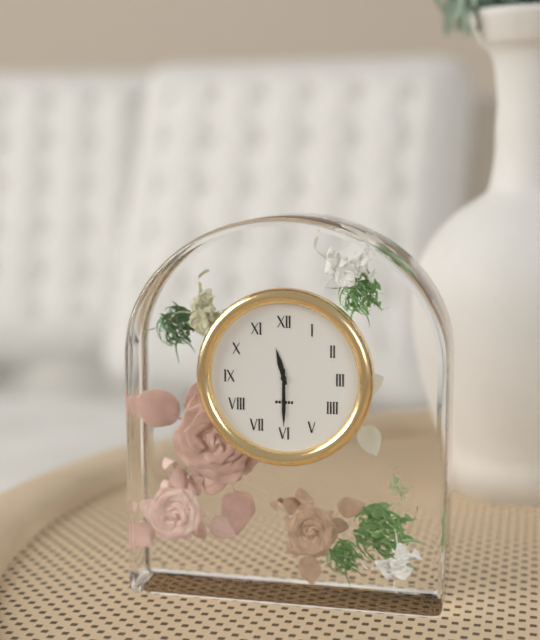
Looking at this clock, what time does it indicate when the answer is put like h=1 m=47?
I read h=11 m=30
